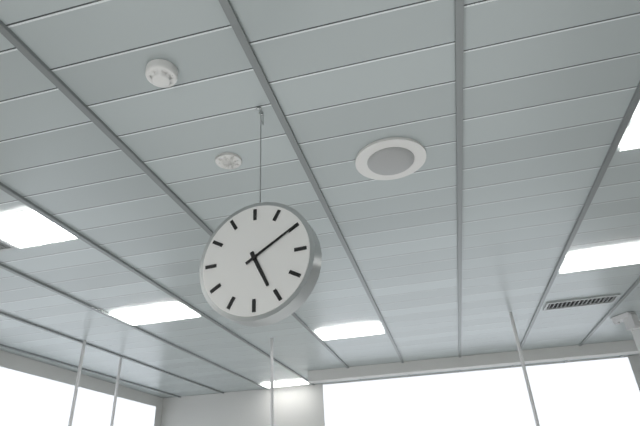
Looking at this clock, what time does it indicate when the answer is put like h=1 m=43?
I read h=5 m=10
